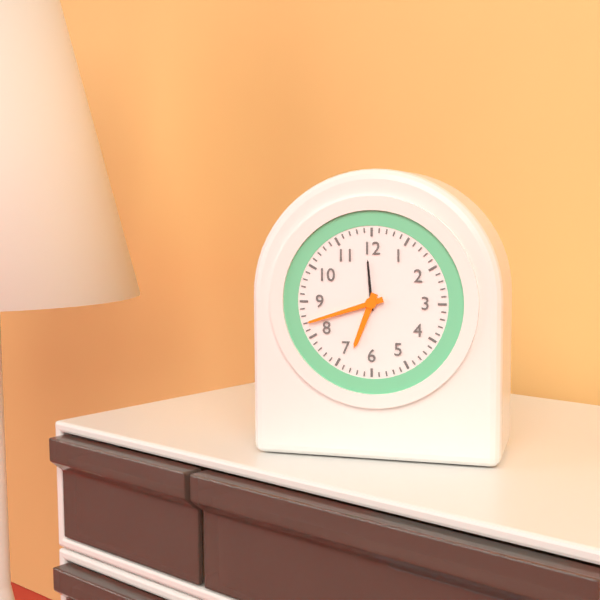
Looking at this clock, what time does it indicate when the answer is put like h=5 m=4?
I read h=6 m=42
